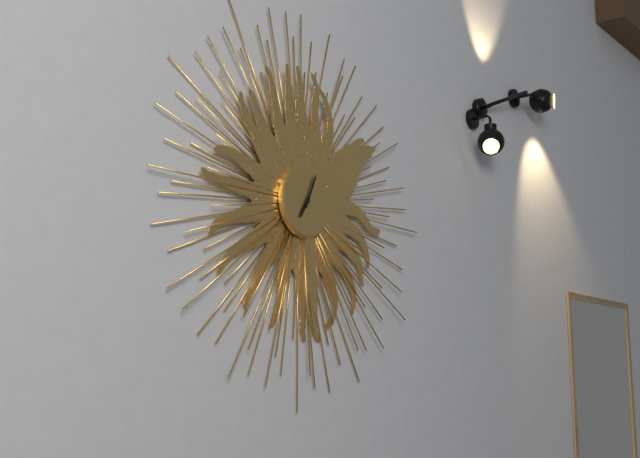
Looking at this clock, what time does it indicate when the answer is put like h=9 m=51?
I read h=7 m=4
